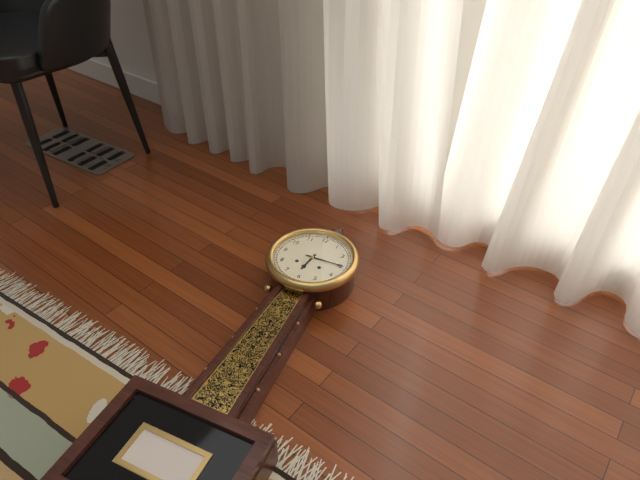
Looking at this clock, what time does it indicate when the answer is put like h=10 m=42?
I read h=6 m=15
